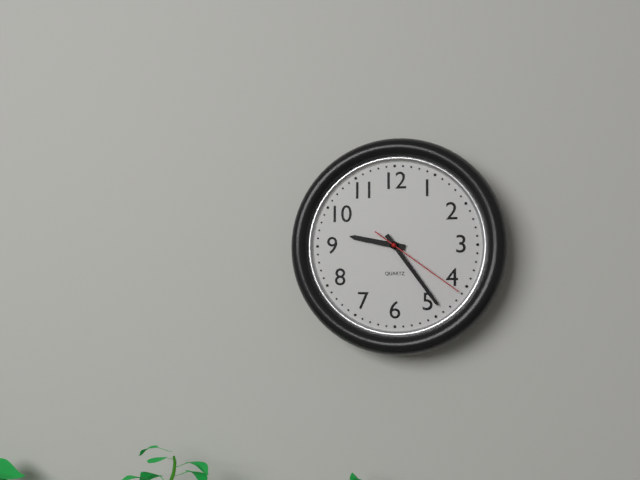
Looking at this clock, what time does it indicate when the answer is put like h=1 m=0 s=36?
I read h=9 m=24 s=21
